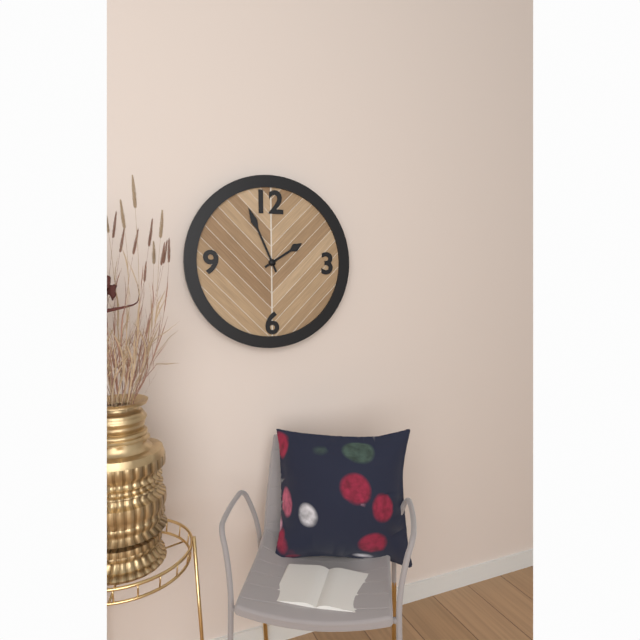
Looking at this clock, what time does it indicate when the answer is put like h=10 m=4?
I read h=1 m=56
